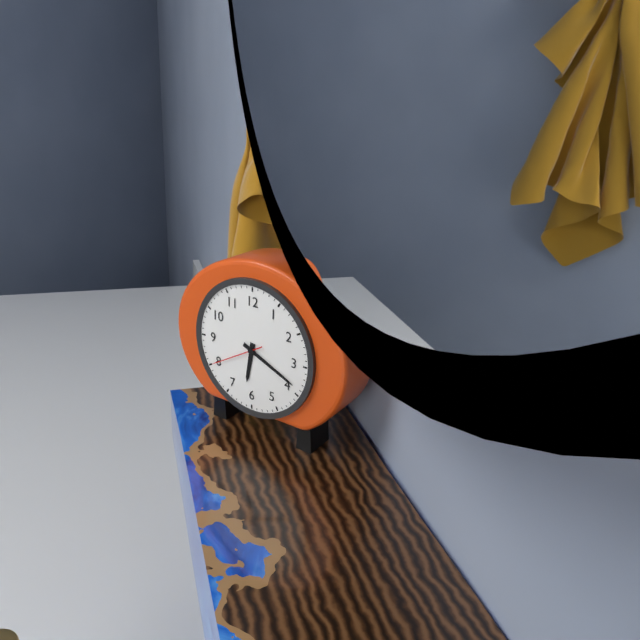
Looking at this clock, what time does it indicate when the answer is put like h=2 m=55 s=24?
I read h=6 m=19 s=40
